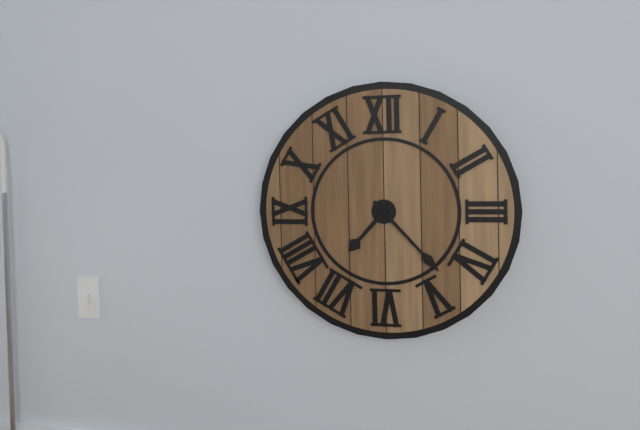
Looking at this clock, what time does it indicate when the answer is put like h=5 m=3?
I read h=7 m=23
